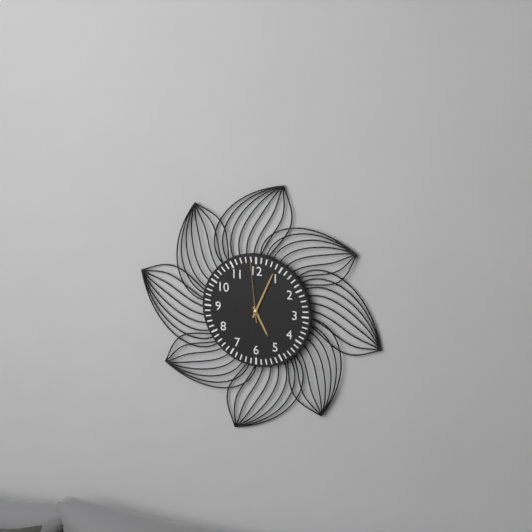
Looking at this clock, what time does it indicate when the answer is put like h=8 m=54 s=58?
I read h=5 m=4 s=59
